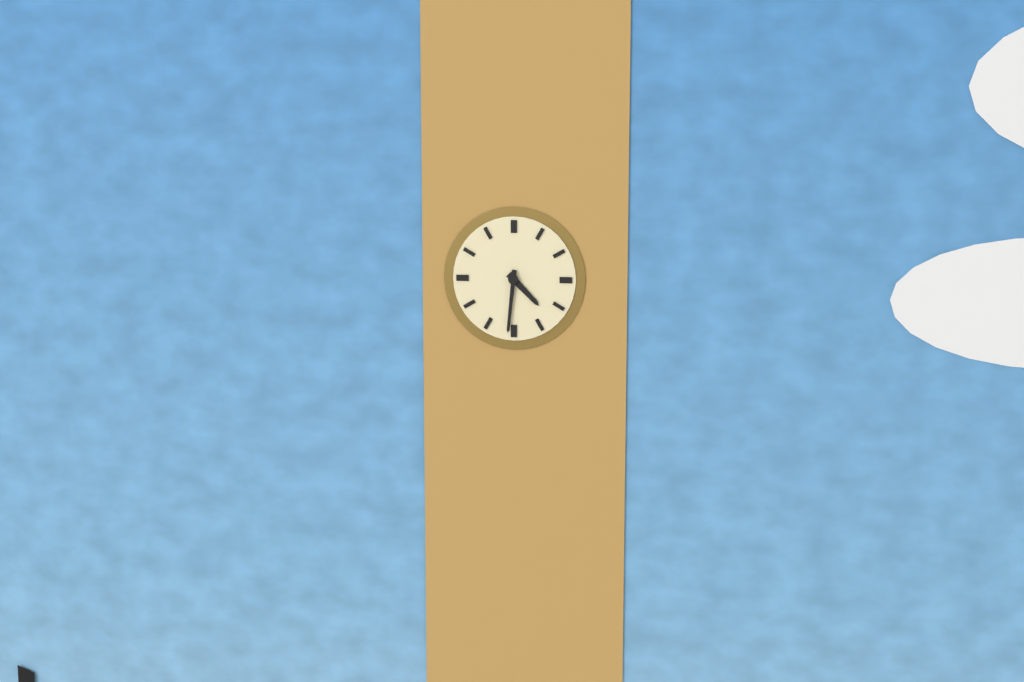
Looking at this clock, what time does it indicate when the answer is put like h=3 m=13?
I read h=4 m=31
